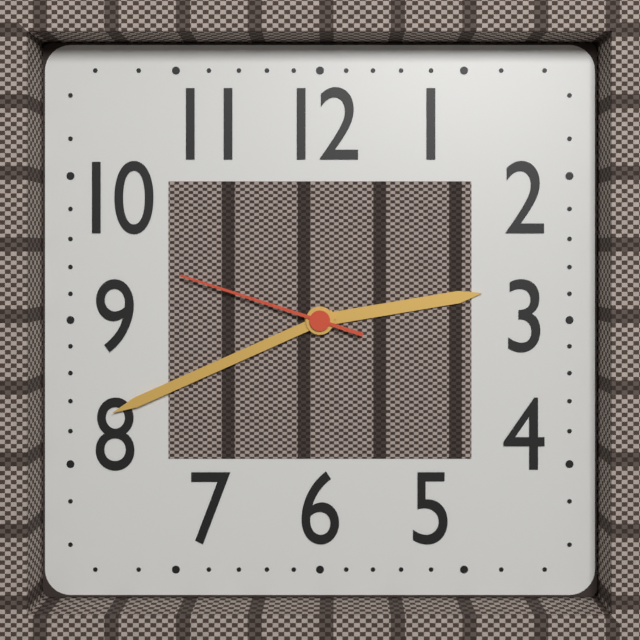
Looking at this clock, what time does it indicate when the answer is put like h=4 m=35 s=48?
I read h=2 m=41 s=48
